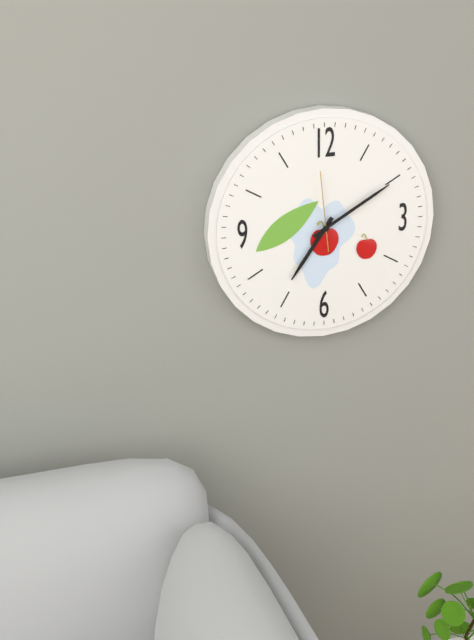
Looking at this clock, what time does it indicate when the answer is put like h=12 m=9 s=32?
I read h=7 m=10 s=59
